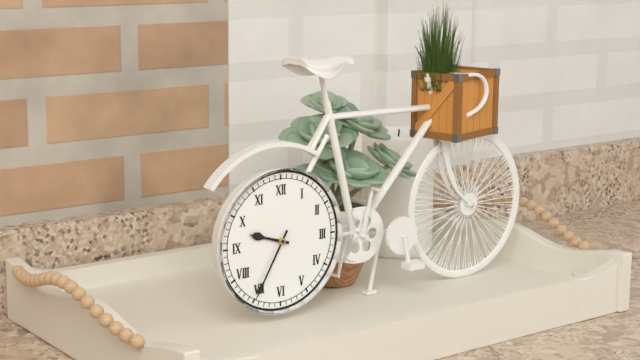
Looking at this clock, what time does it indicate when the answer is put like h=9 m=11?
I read h=9 m=35
